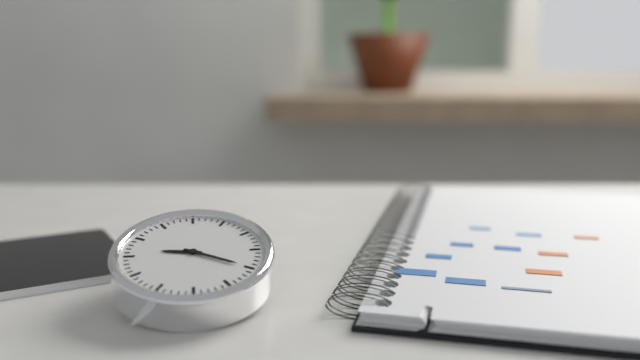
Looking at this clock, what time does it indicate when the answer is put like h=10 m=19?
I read h=9 m=20
